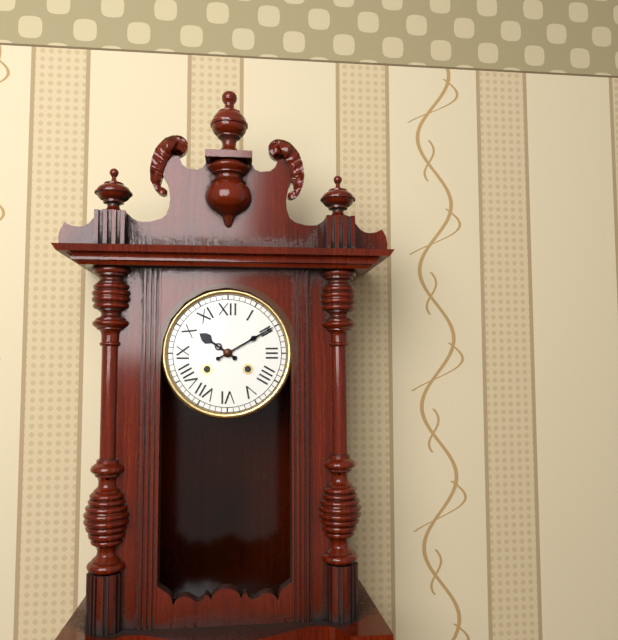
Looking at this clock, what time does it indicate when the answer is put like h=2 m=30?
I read h=10 m=10
